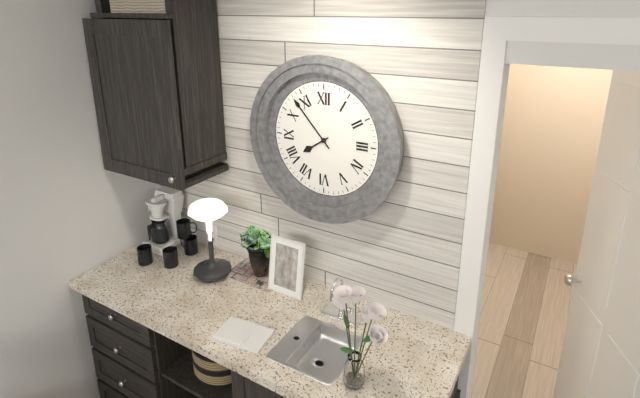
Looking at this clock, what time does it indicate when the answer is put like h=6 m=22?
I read h=7 m=53
